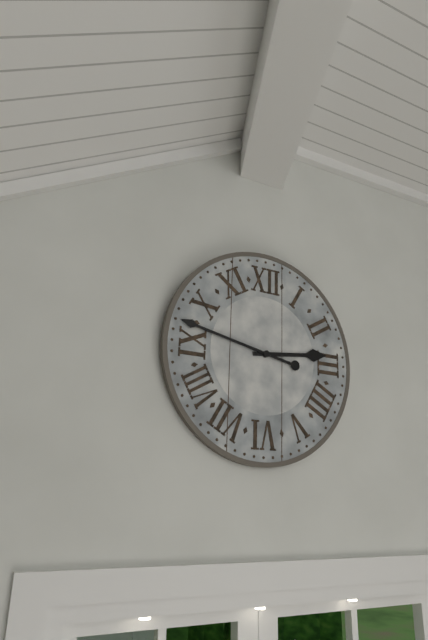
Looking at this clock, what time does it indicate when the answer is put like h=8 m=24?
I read h=2 m=47
